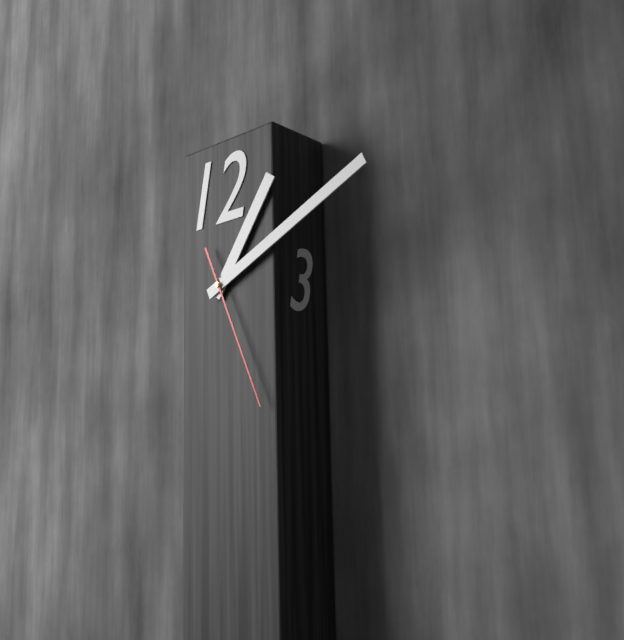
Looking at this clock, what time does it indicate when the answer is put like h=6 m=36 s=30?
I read h=1 m=11 s=26
